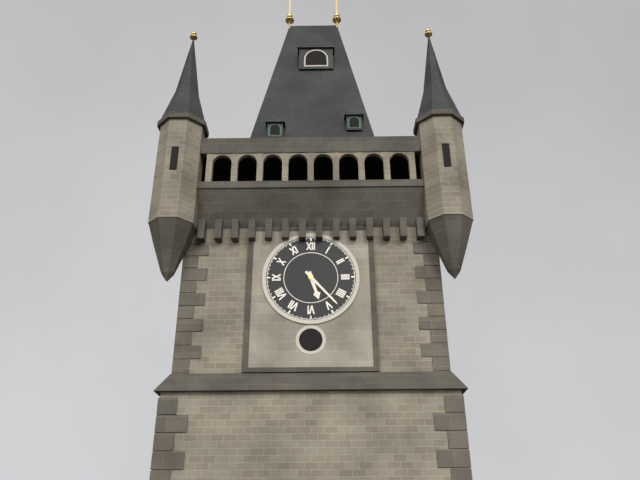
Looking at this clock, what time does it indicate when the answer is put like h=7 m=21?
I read h=5 m=23
